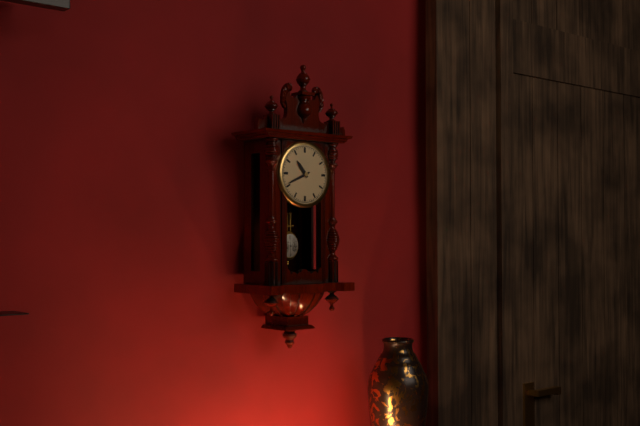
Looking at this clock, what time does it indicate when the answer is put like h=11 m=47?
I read h=10 m=41
